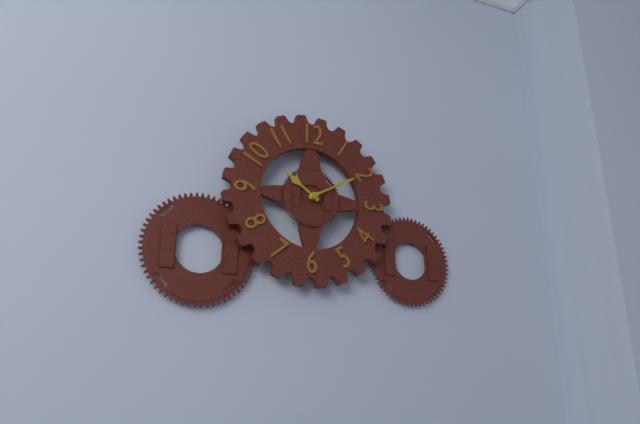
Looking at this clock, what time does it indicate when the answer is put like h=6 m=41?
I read h=10 m=10
